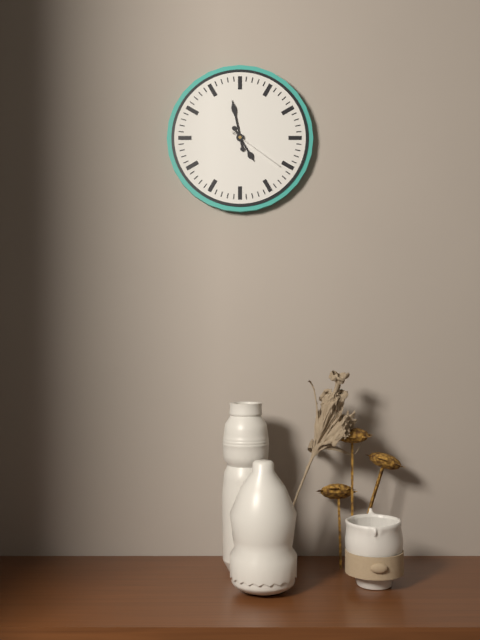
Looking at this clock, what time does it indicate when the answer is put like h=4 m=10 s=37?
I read h=4 m=58 s=21
